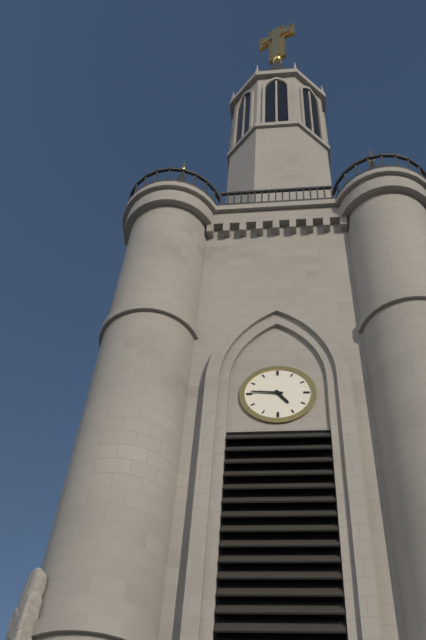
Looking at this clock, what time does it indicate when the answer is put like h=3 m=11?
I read h=4 m=46
